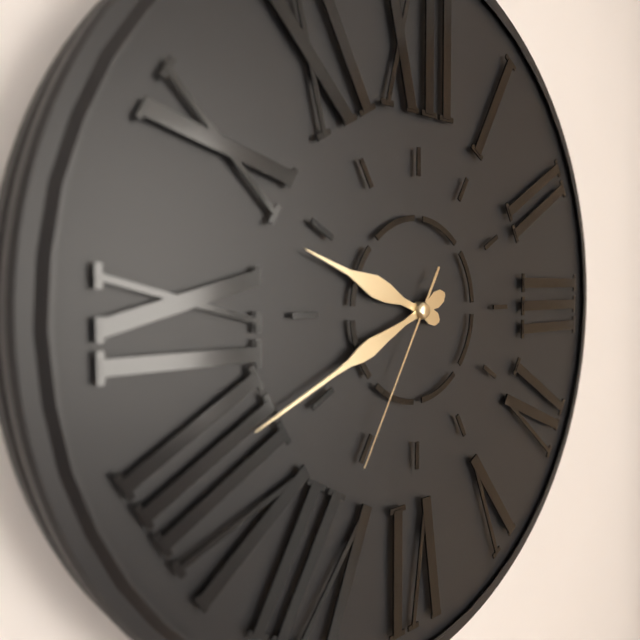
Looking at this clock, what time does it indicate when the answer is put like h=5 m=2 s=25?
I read h=9 m=41 s=35
